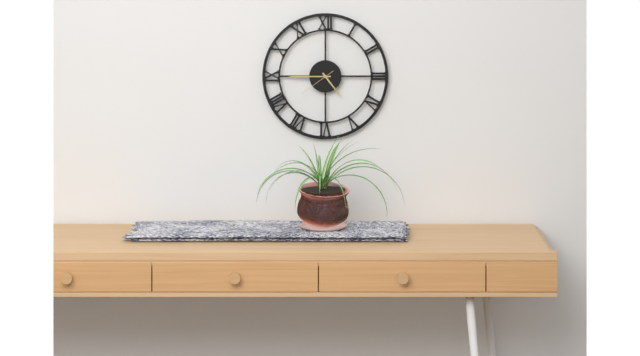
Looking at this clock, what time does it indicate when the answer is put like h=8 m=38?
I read h=4 m=45
